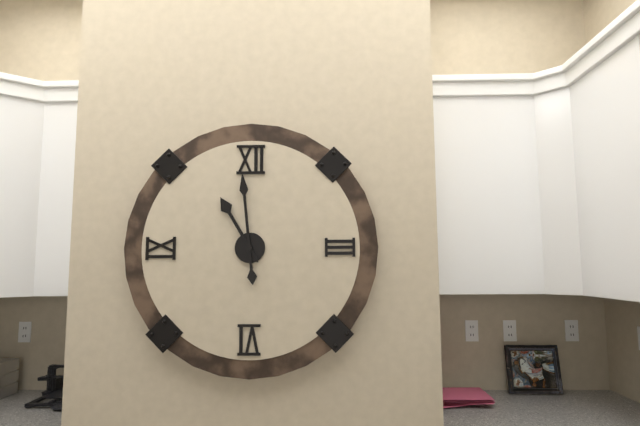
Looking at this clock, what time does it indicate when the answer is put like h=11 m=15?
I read h=10 m=59
